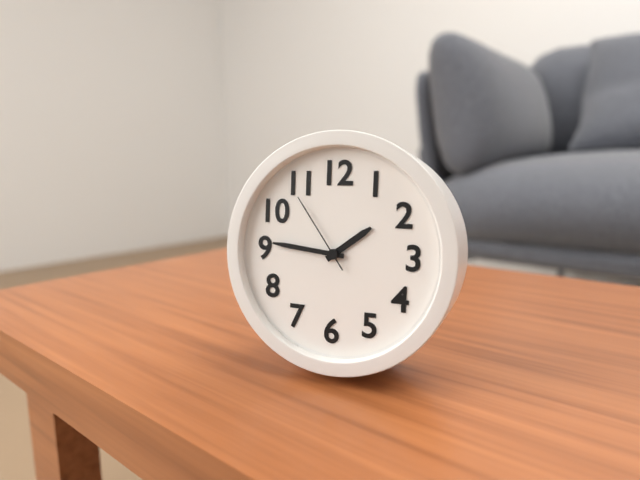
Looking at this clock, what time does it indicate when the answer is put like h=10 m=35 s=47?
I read h=1 m=46 s=54
